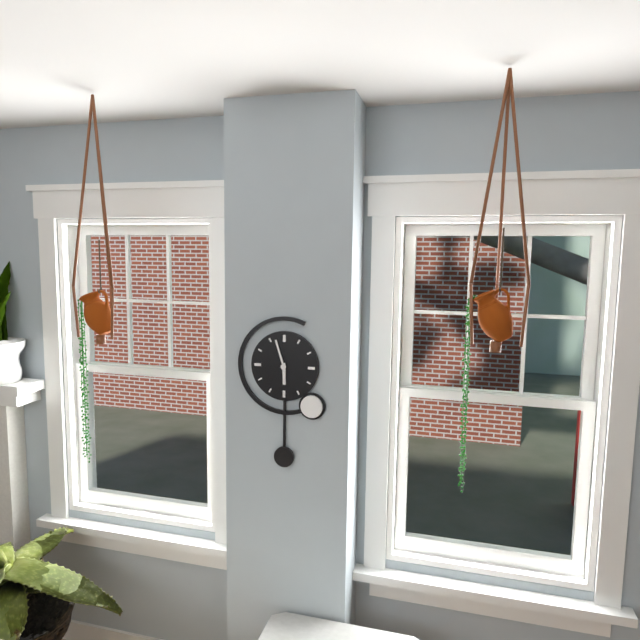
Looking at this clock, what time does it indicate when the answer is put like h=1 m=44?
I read h=5 m=57
